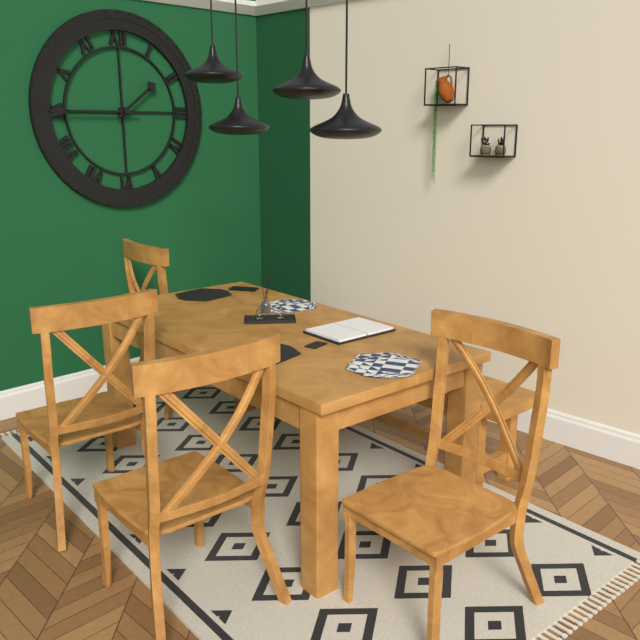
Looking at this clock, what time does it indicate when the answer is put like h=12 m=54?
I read h=1 m=45
